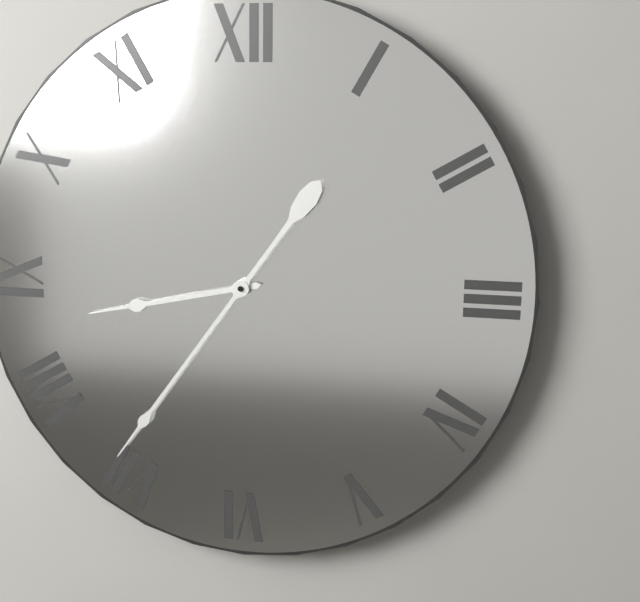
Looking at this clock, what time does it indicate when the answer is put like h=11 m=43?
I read h=8 m=36
